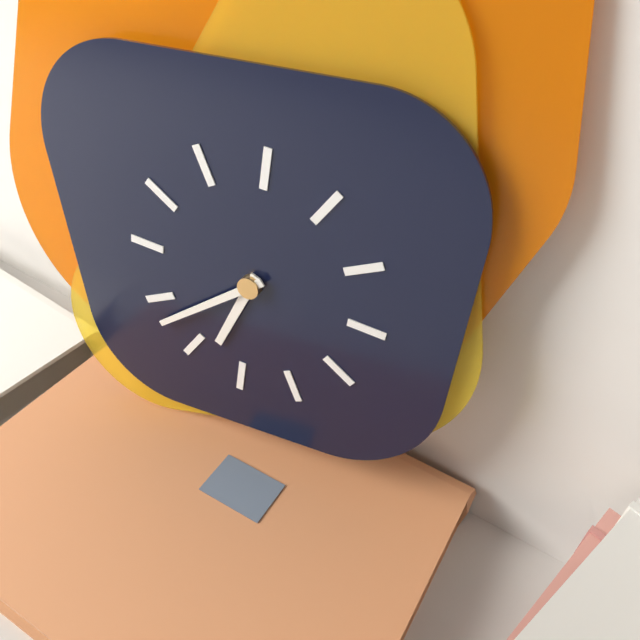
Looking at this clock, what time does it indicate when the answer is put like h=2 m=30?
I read h=6 m=38
